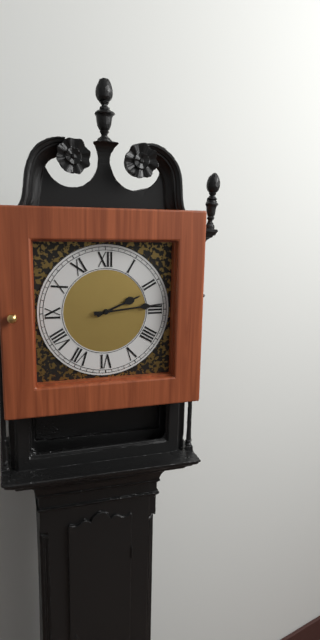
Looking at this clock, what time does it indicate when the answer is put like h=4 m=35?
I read h=2 m=14
